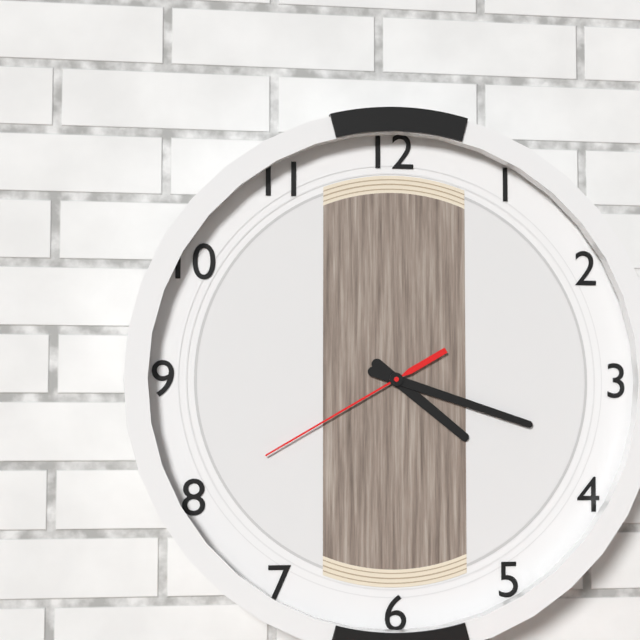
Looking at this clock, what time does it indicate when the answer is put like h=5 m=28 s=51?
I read h=4 m=18 s=40
